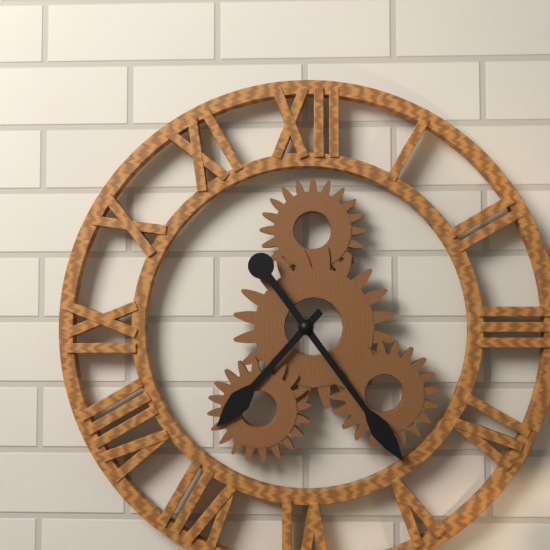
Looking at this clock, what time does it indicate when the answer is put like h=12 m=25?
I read h=7 m=24
